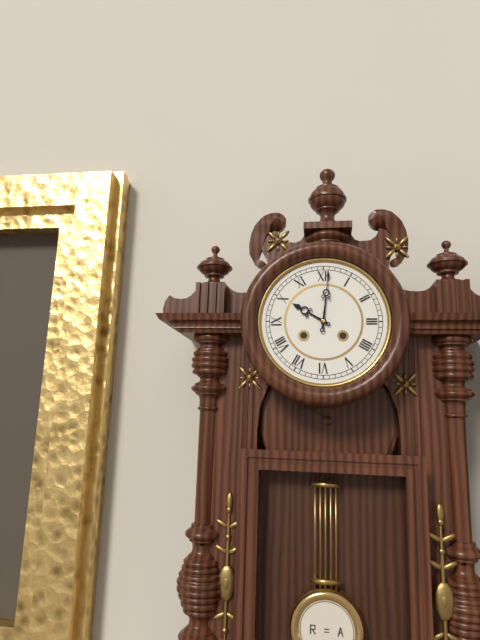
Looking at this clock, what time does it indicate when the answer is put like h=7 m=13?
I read h=10 m=1
